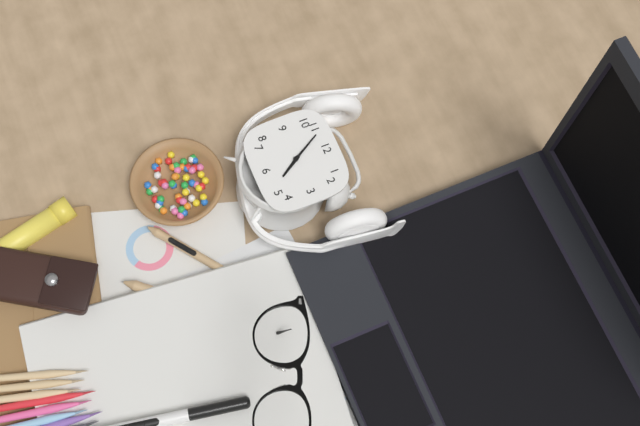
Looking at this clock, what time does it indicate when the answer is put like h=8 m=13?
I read h=4 m=55
